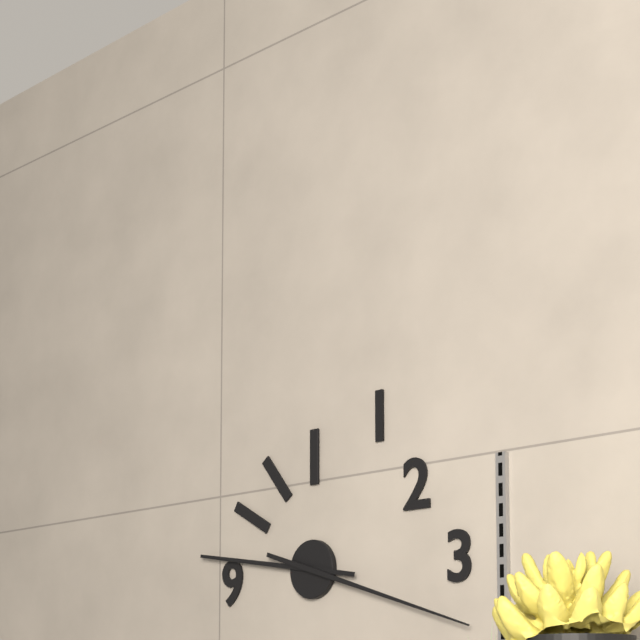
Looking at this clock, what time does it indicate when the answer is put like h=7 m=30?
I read h=9 m=18
